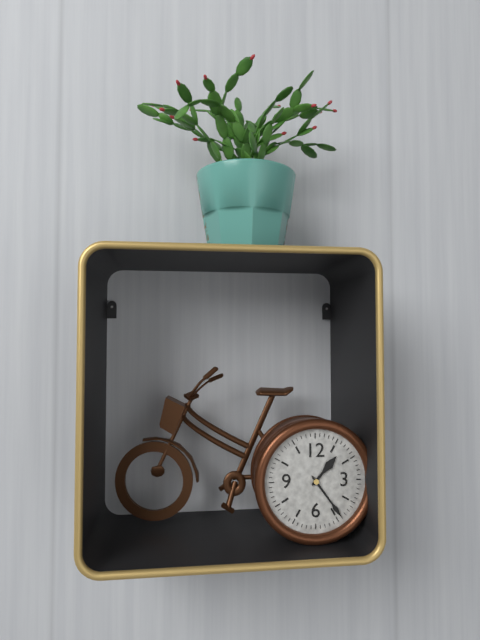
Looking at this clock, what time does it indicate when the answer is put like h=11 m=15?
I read h=1 m=24
